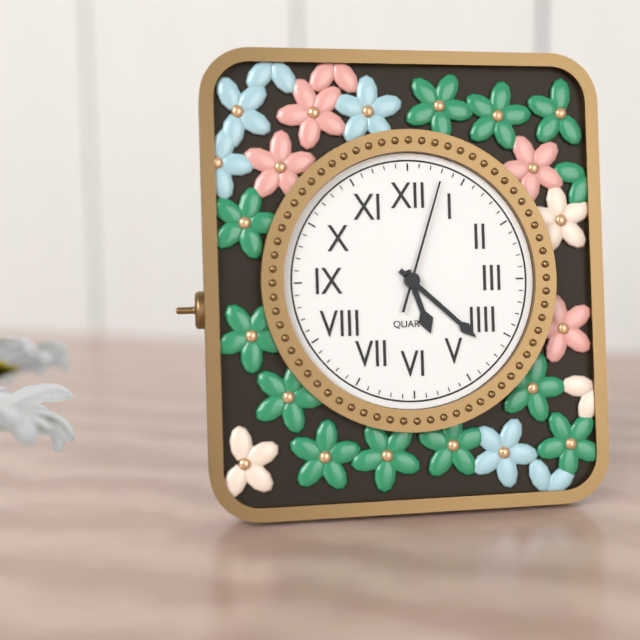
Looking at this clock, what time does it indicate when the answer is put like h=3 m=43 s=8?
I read h=5 m=22 s=3
